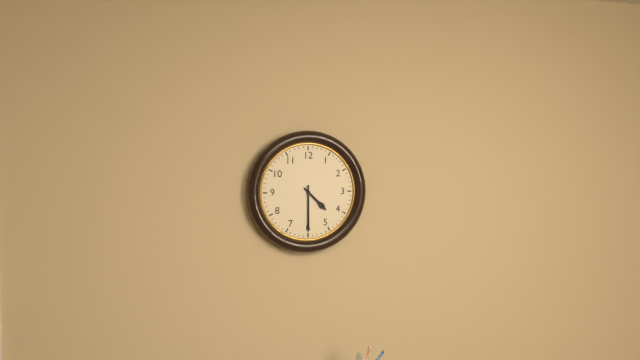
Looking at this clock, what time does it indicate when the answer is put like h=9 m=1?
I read h=4 m=30
